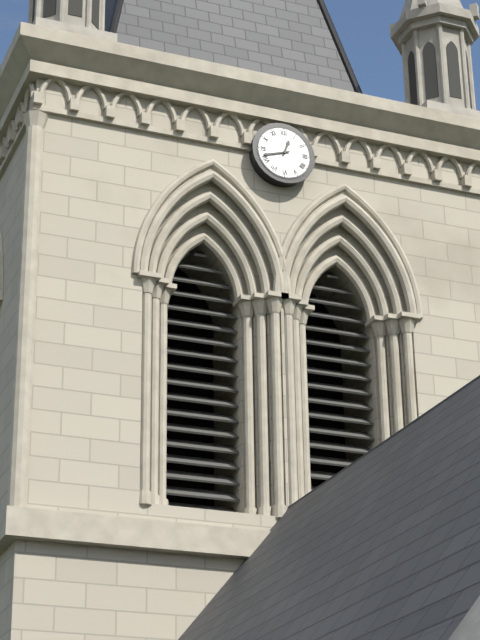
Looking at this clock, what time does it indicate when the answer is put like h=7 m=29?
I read h=12 m=42
